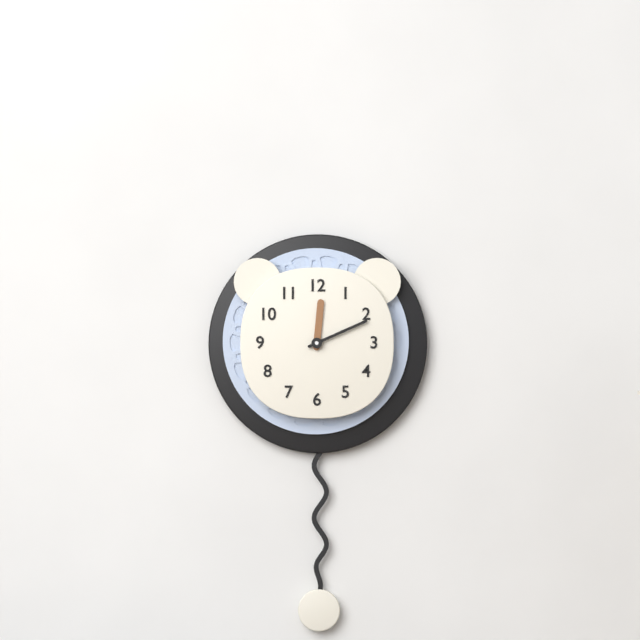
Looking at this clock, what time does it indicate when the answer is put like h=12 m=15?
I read h=12 m=11
